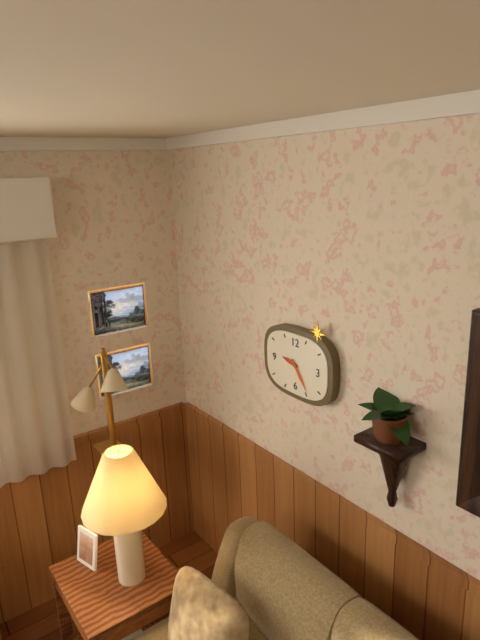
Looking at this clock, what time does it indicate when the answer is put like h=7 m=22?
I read h=9 m=24
